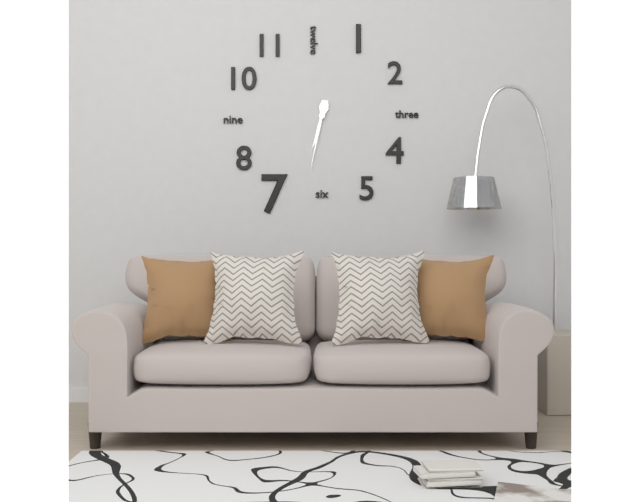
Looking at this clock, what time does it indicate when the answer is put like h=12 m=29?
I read h=6 m=32
